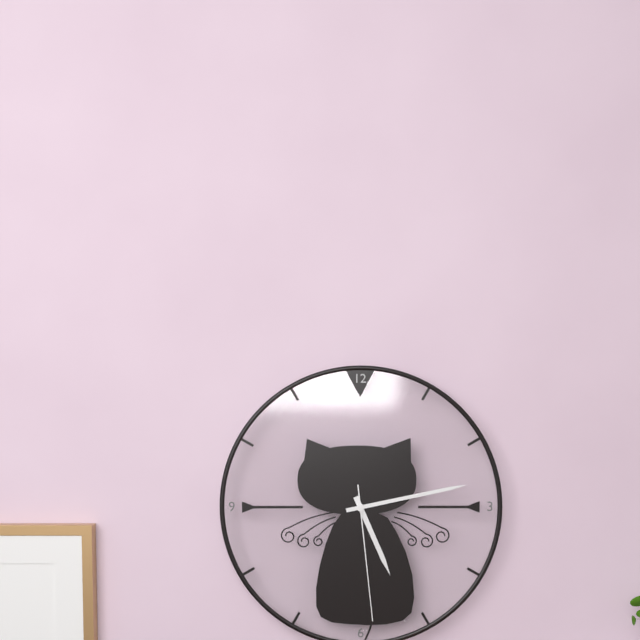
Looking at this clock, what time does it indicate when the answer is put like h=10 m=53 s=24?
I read h=5 m=13 s=29
